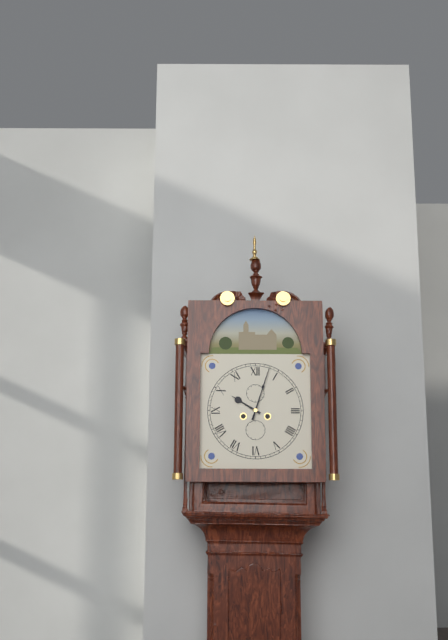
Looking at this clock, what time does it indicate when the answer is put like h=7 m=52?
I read h=10 m=3
